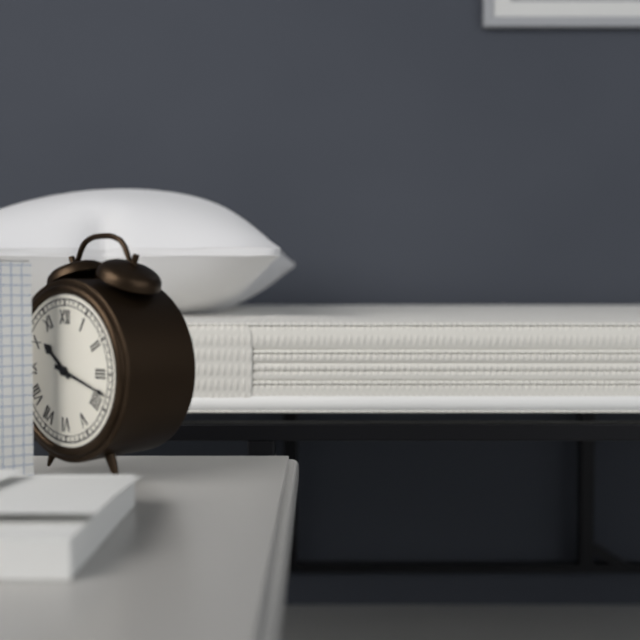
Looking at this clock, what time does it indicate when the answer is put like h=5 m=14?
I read h=10 m=18
